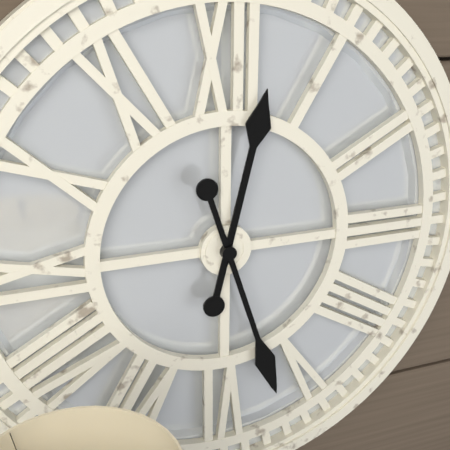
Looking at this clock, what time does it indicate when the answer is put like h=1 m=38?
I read h=12 m=27
